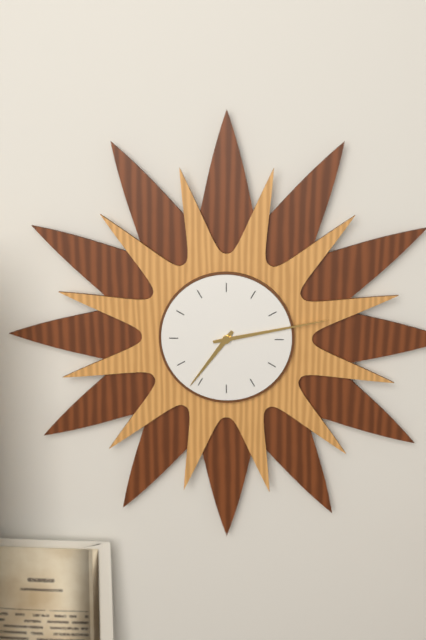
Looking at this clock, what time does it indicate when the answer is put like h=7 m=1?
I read h=7 m=13
